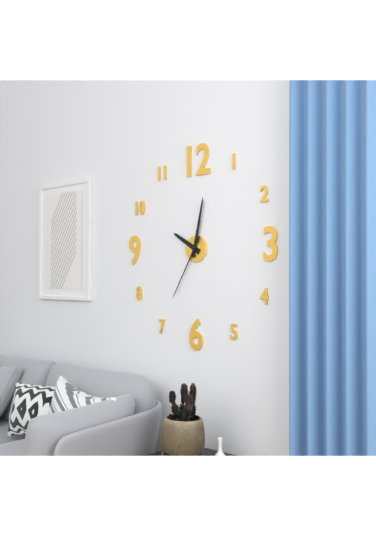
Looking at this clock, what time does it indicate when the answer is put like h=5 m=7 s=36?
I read h=10 m=2 s=35
